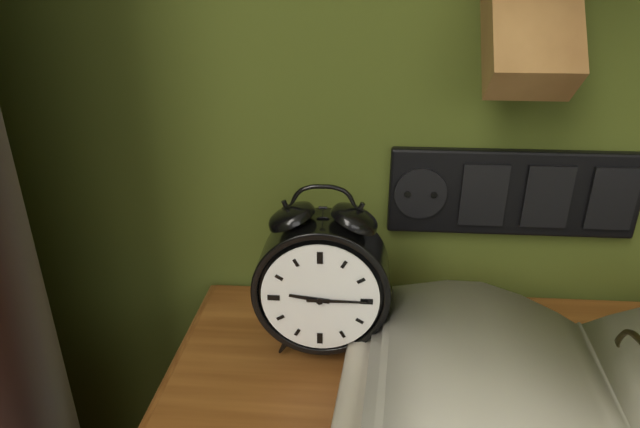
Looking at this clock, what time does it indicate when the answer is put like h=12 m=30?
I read h=9 m=15
